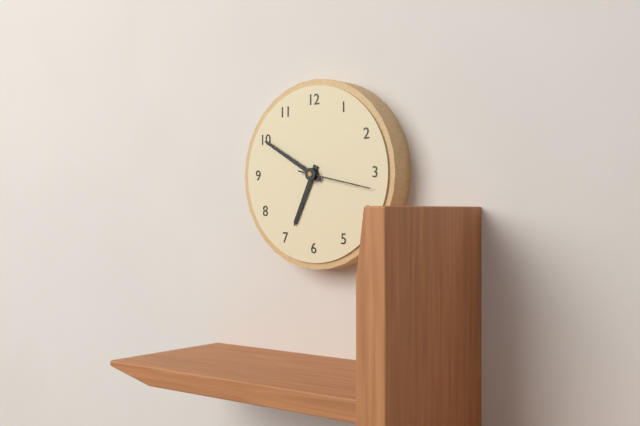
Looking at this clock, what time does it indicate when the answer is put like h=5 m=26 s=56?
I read h=6 m=50 s=17
